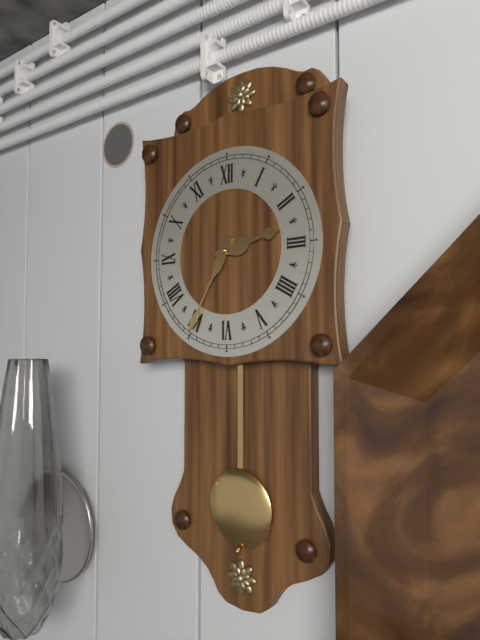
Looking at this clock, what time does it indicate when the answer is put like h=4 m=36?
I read h=2 m=35
